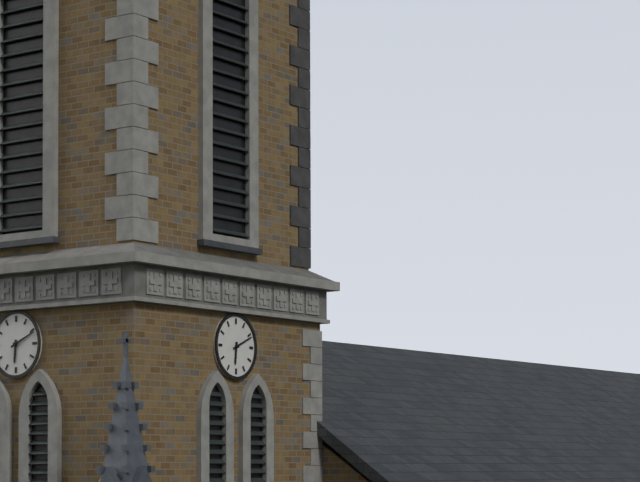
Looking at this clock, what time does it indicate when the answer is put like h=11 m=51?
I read h=6 m=11
